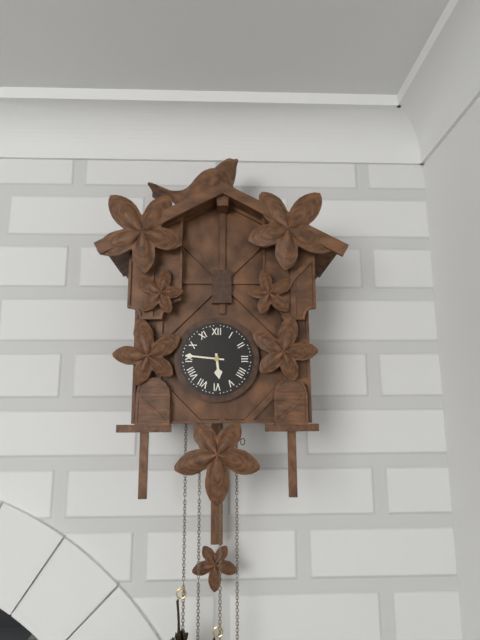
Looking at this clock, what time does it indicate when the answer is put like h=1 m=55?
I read h=5 m=46
